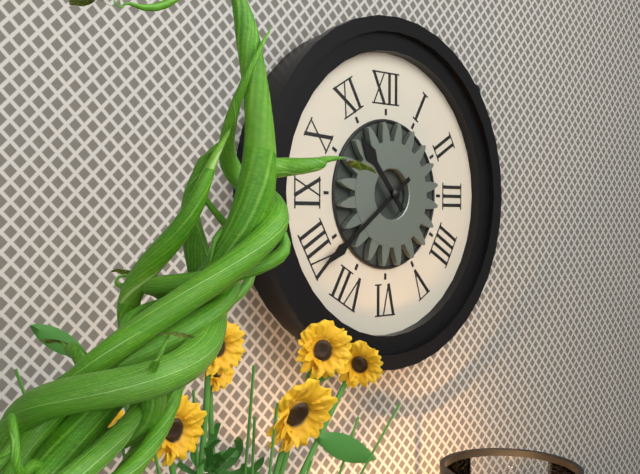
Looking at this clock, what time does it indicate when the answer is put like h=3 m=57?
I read h=10 m=39
